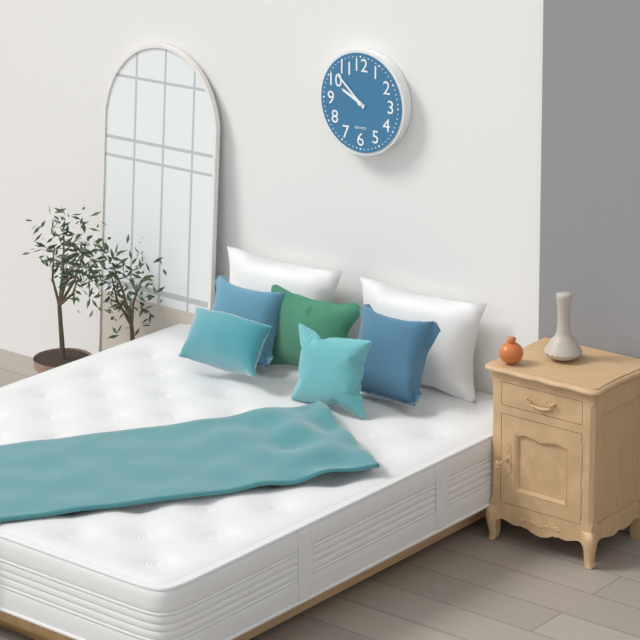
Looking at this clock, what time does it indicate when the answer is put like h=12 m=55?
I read h=9 m=52
